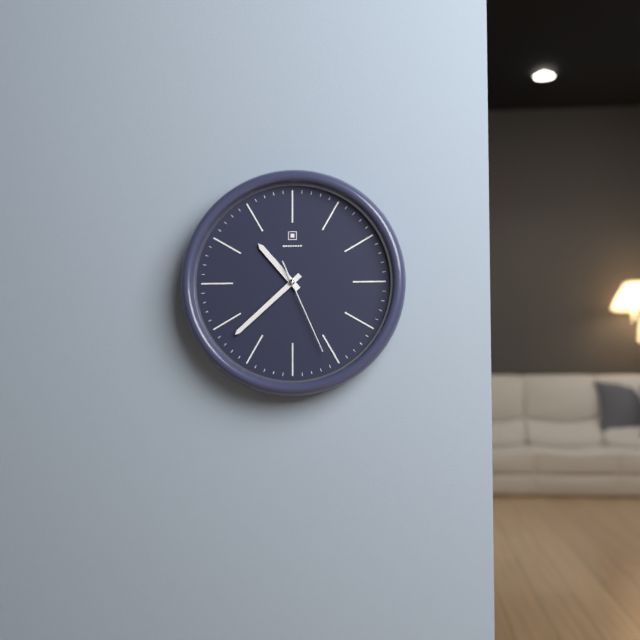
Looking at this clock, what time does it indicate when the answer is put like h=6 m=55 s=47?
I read h=10 m=38 s=26
